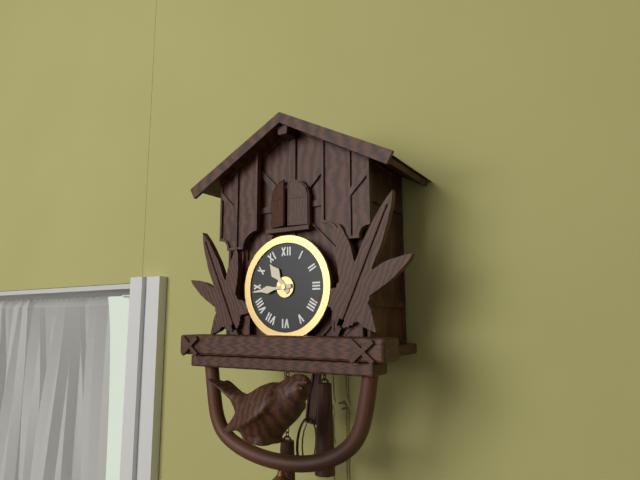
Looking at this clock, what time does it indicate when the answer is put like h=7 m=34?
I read h=10 m=44
